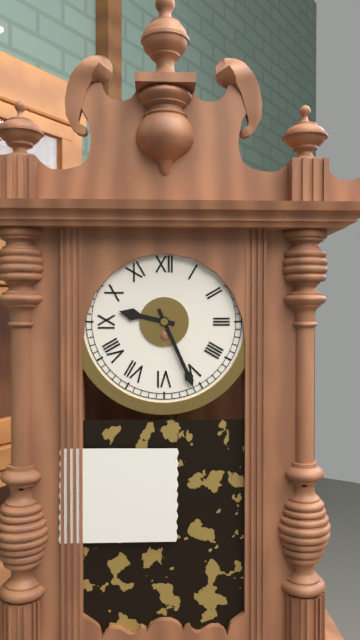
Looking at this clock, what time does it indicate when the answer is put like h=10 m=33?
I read h=9 m=26
